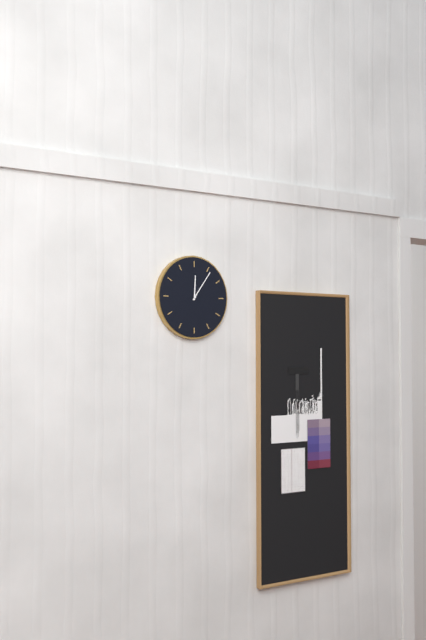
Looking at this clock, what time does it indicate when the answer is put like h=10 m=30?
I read h=12 m=6
